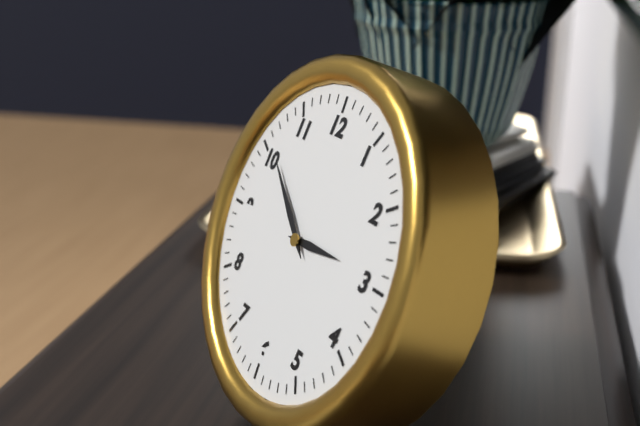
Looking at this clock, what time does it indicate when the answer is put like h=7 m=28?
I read h=2 m=51
